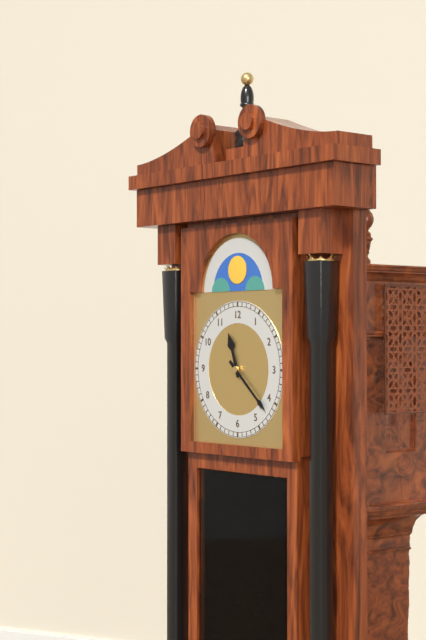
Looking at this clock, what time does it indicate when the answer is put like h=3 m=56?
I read h=11 m=22
